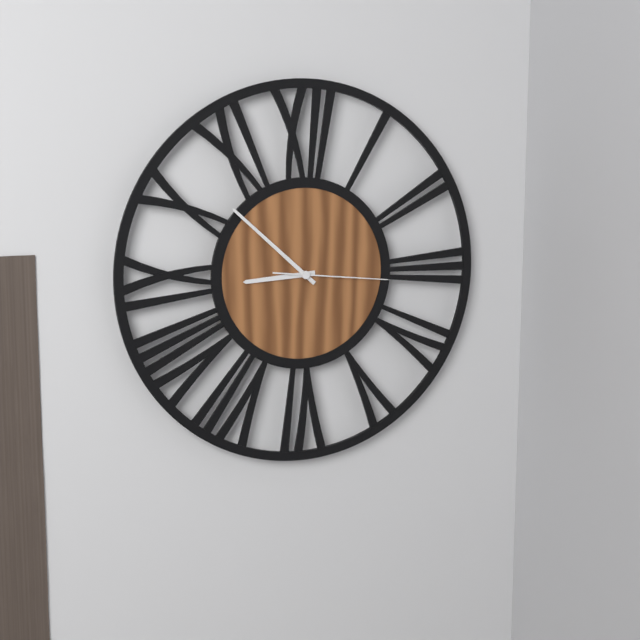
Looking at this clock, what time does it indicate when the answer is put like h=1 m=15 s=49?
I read h=8 m=52 s=16
